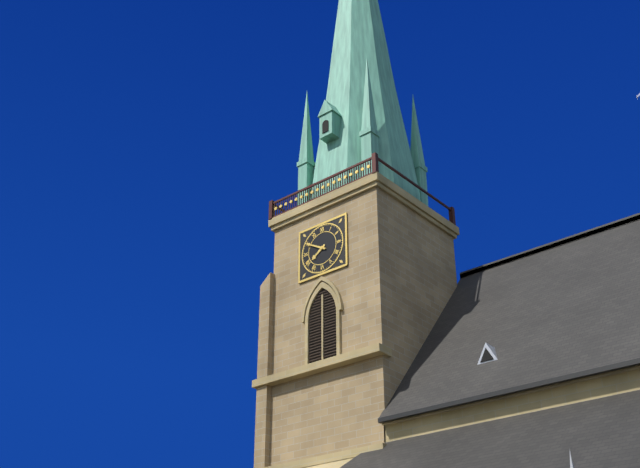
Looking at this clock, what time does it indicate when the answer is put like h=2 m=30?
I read h=7 m=50
